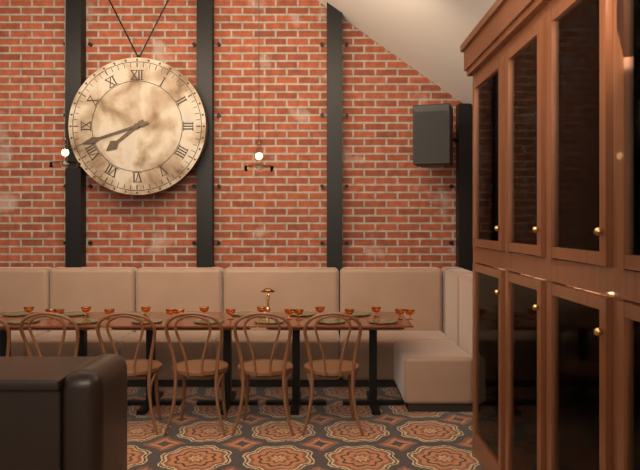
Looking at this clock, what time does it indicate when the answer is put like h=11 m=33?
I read h=7 m=42
